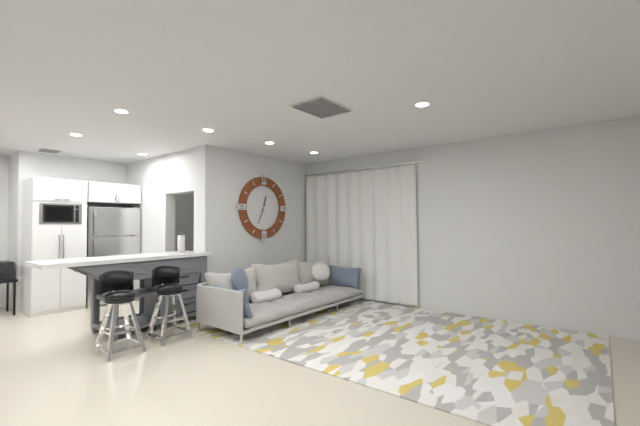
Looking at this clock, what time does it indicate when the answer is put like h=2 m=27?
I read h=12 m=34
